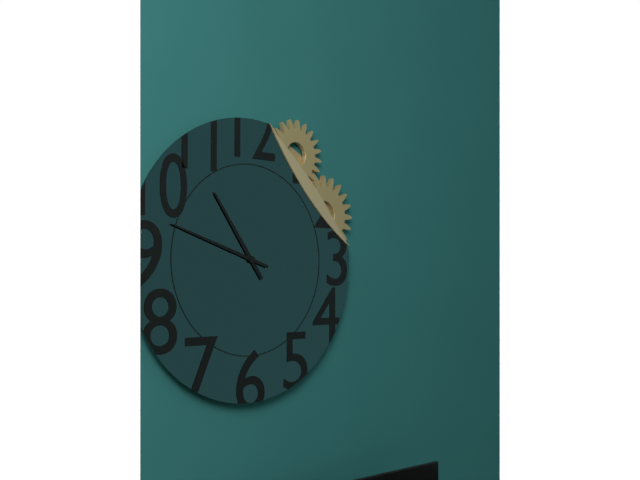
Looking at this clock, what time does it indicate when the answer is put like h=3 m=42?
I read h=10 m=48
